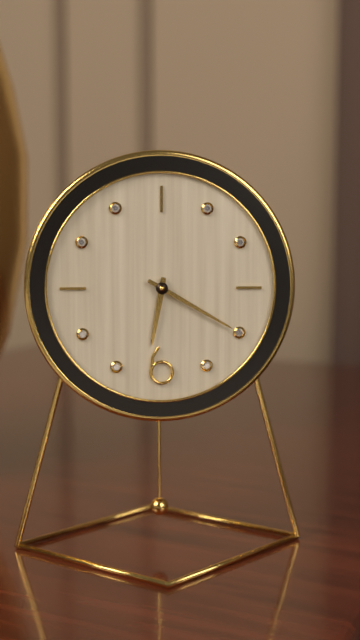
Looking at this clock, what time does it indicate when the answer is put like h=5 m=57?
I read h=6 m=20
